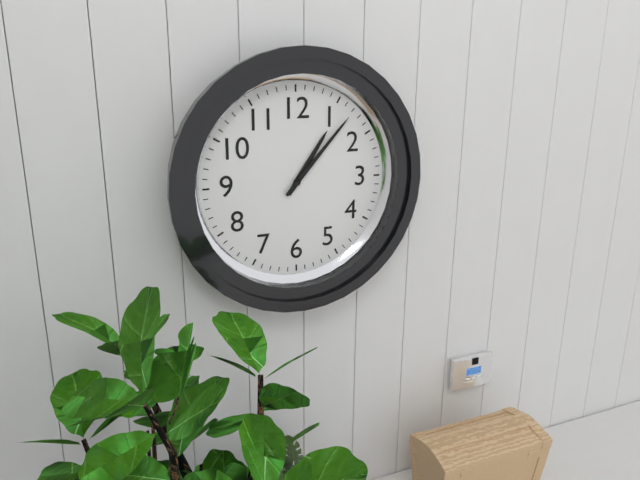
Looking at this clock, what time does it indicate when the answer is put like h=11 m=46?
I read h=1 m=7
